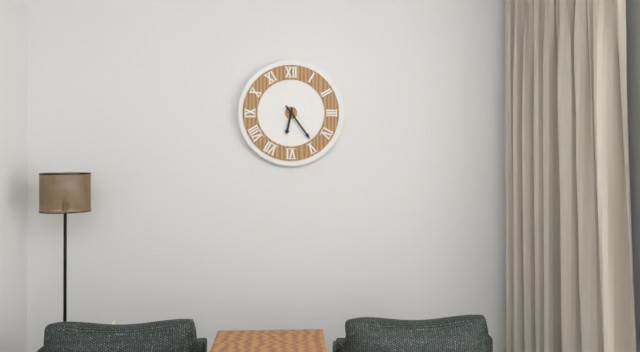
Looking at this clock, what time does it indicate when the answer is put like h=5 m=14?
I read h=6 m=24
